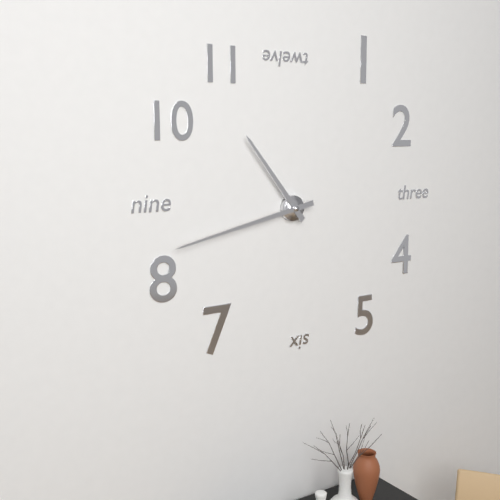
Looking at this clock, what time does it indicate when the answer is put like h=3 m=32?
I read h=10 m=43
